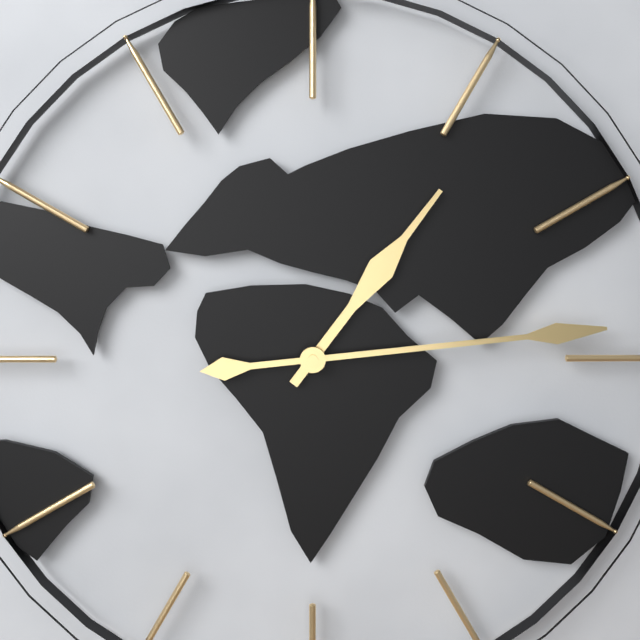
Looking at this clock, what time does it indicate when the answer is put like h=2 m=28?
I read h=1 m=14
